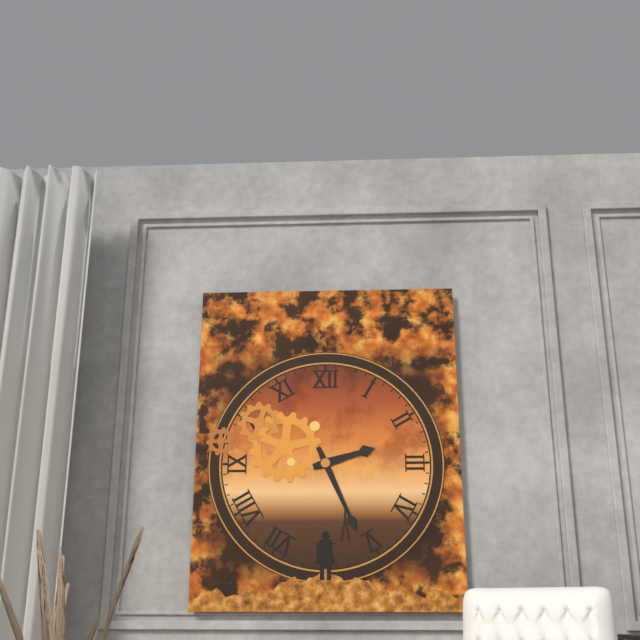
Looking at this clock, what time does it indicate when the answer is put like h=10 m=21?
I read h=2 m=26
